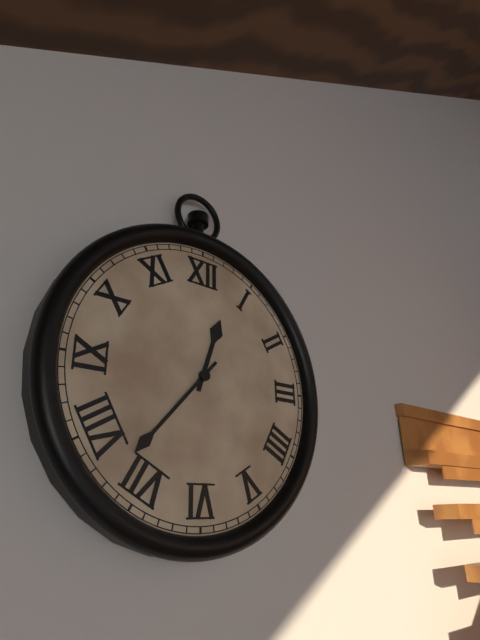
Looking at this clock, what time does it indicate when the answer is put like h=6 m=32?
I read h=12 m=37
